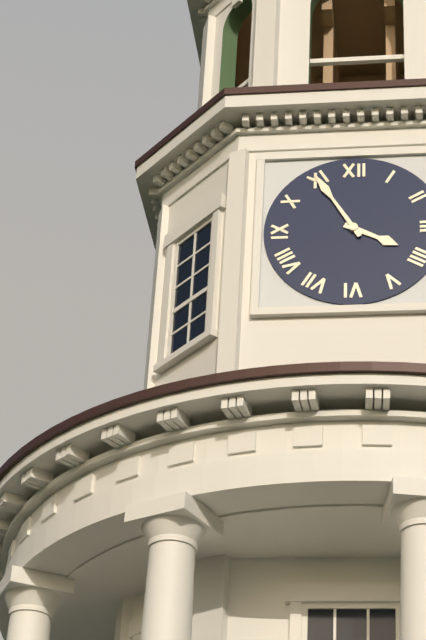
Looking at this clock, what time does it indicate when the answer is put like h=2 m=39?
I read h=3 m=55
